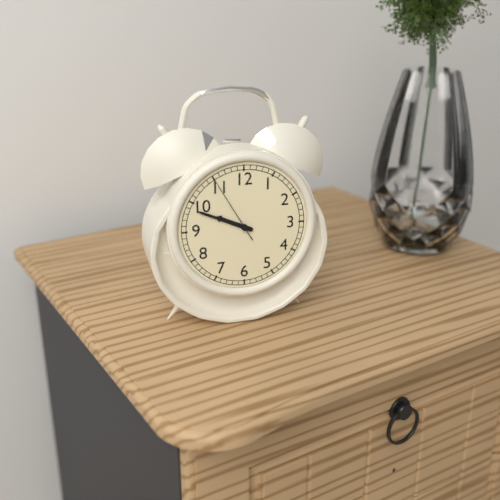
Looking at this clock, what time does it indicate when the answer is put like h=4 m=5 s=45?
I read h=9 m=49 s=55
